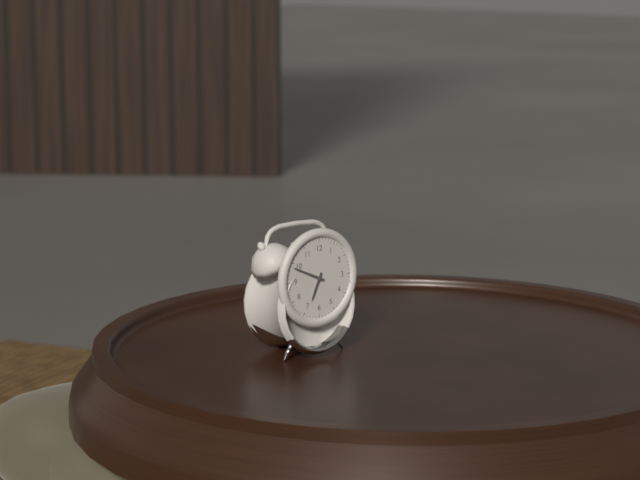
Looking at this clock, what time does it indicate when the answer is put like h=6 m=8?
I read h=6 m=49
